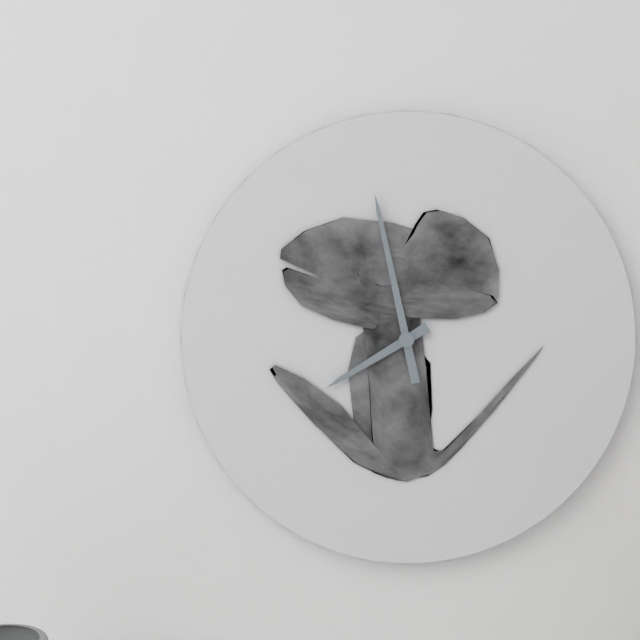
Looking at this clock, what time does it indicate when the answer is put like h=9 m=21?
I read h=7 m=58
